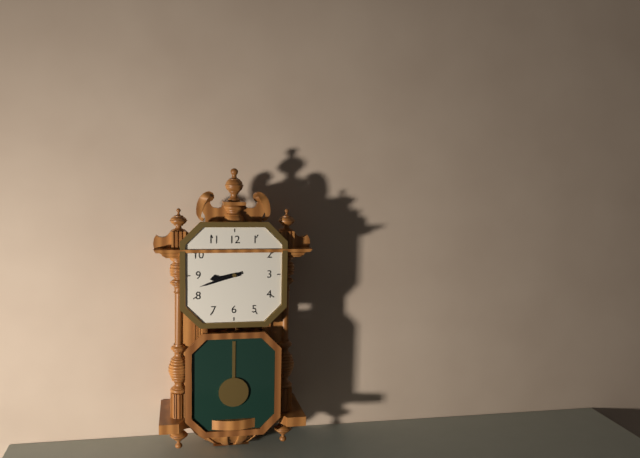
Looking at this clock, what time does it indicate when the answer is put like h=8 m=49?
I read h=8 m=42
